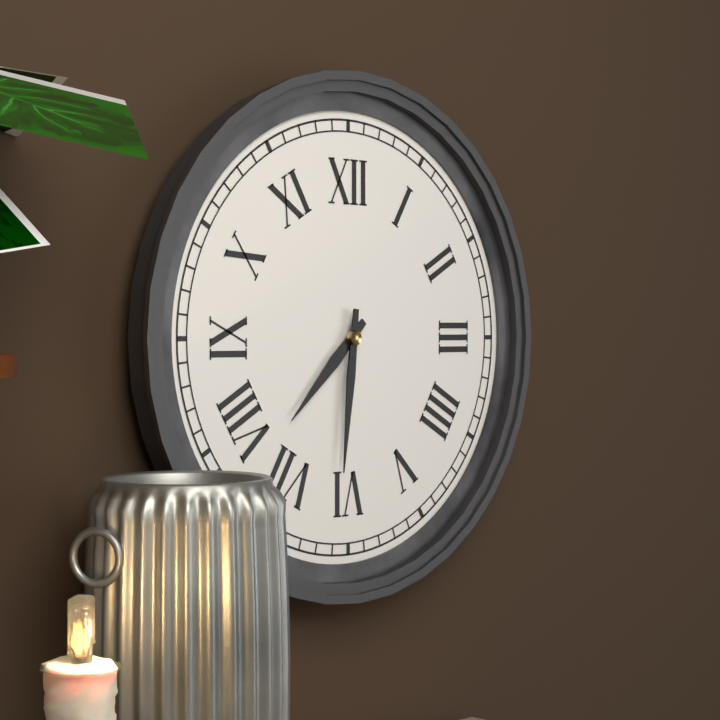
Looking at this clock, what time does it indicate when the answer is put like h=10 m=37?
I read h=7 m=31
